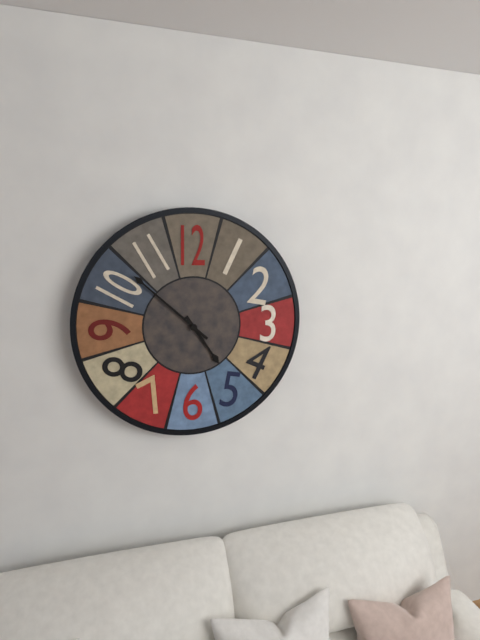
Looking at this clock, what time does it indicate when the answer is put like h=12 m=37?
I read h=4 m=52
